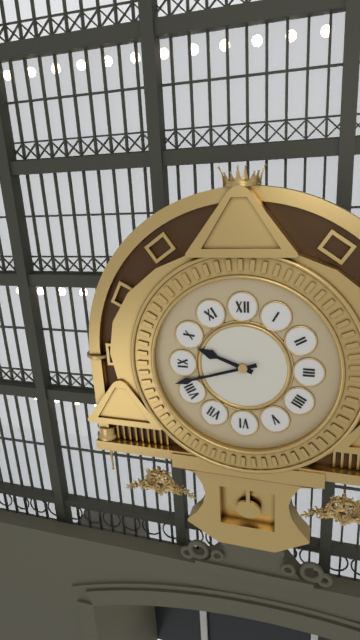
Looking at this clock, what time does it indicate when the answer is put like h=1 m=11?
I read h=9 m=42
